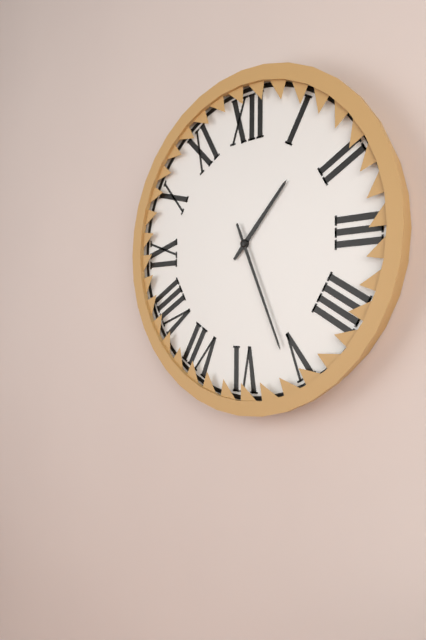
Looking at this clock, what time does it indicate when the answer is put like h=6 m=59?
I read h=1 m=26
